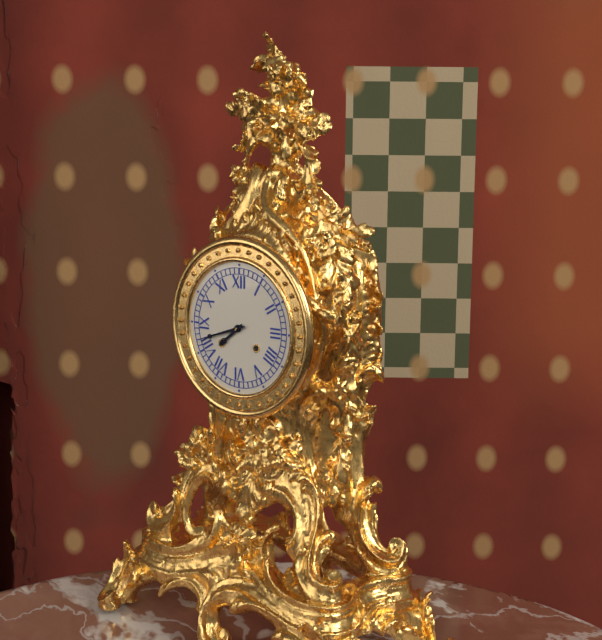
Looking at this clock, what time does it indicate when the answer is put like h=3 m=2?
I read h=7 m=42
